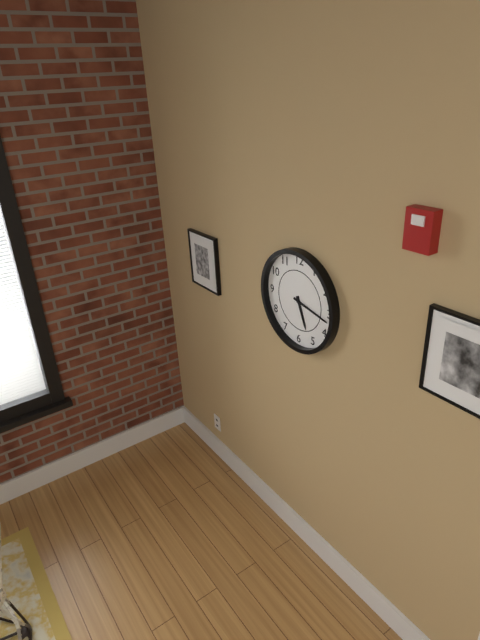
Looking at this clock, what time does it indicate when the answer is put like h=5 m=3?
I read h=5 m=17
